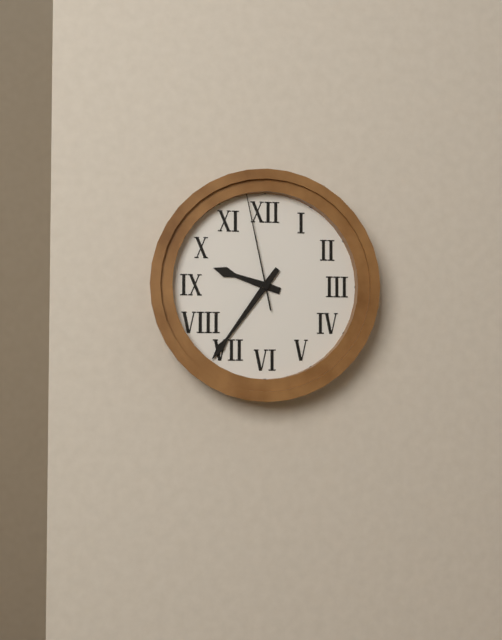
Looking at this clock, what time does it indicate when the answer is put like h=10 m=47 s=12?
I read h=9 m=36 s=58
